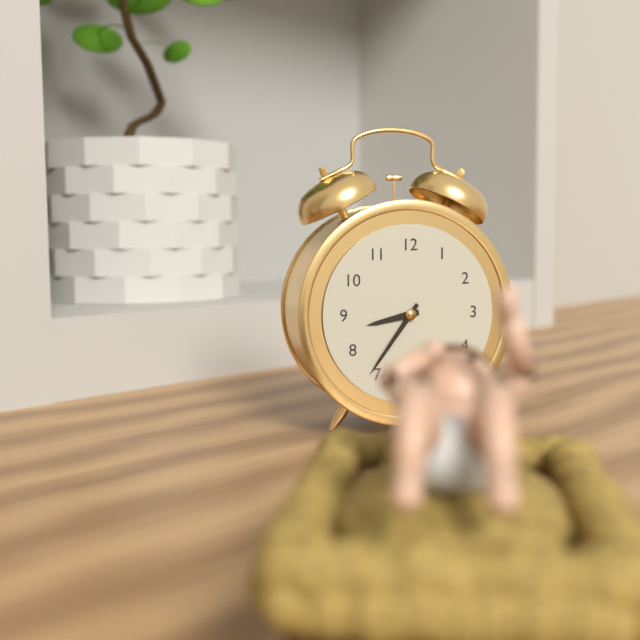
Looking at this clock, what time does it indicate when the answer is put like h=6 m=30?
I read h=8 m=36
